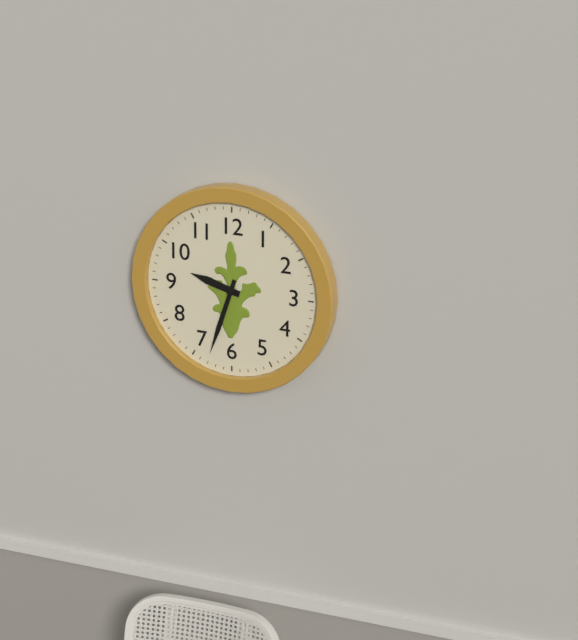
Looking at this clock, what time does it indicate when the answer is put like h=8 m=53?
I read h=9 m=33
